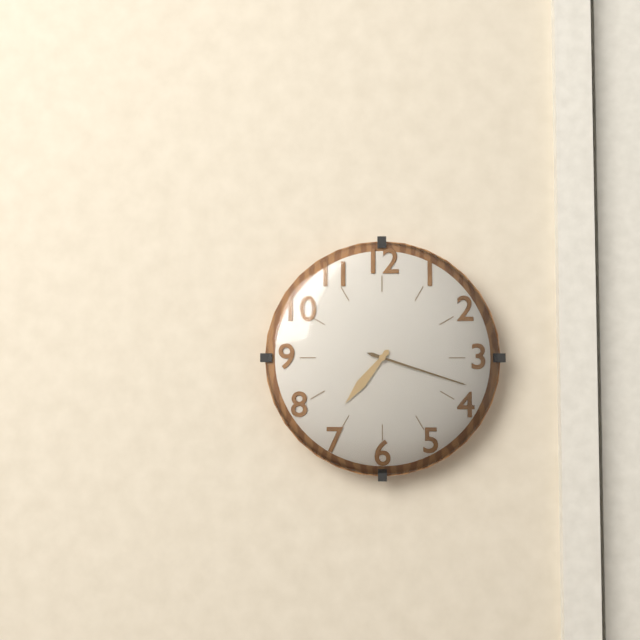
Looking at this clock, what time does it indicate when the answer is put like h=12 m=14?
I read h=7 m=18
